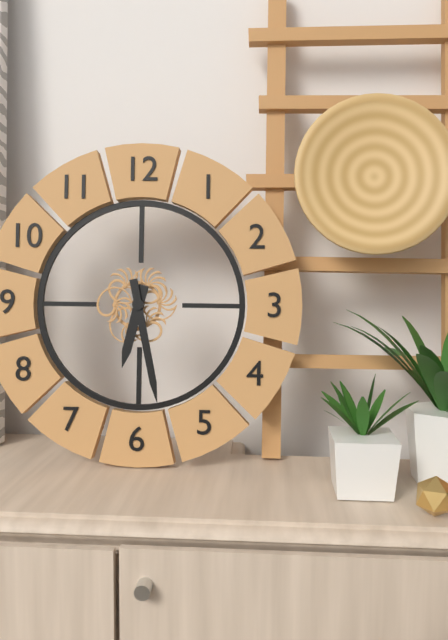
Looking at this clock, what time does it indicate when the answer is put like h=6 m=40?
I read h=6 m=28
